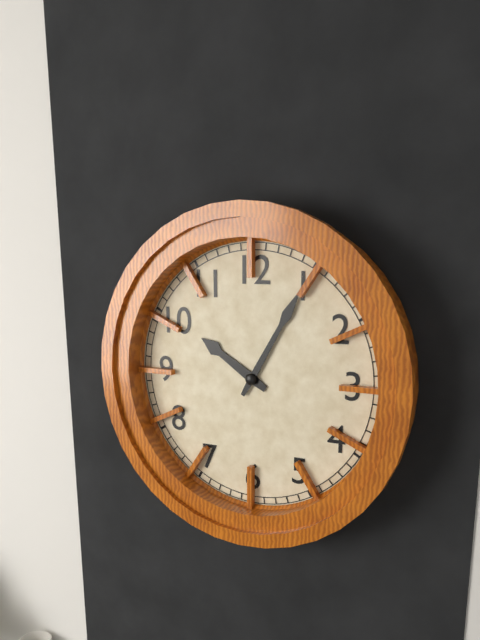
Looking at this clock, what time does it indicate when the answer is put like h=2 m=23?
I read h=10 m=5
